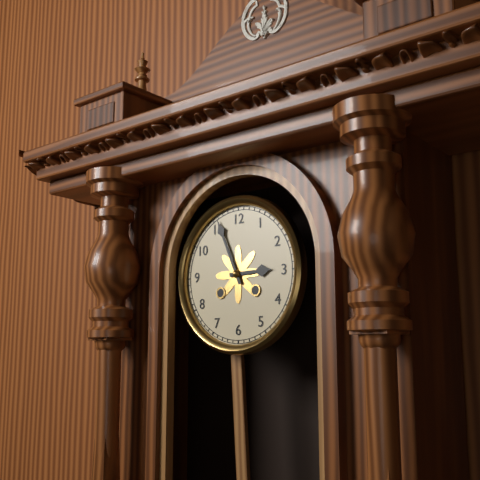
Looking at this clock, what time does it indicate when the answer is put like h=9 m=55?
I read h=2 m=56
